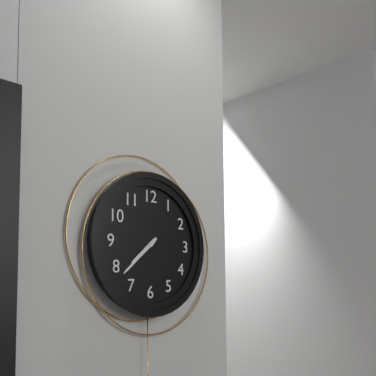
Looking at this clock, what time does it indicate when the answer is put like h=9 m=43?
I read h=7 m=38
